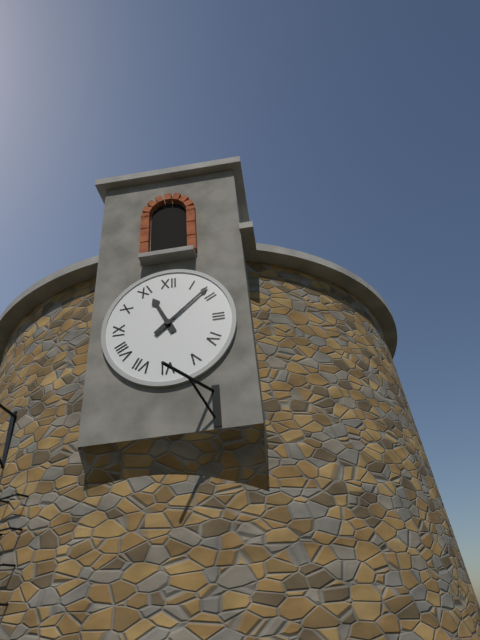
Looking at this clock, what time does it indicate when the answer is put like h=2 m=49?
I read h=11 m=8
